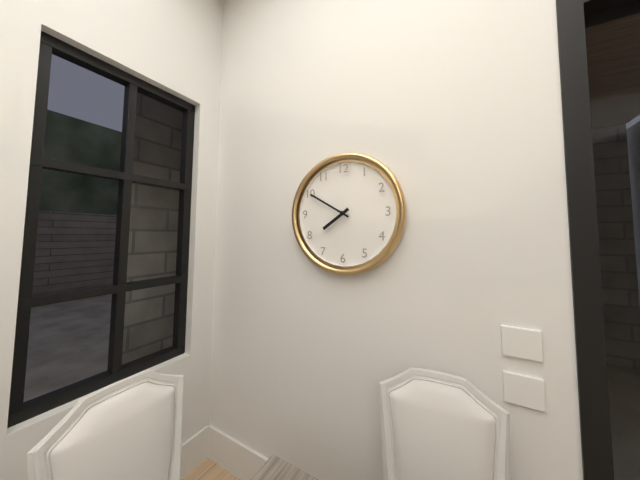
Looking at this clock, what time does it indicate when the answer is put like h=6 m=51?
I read h=7 m=50
